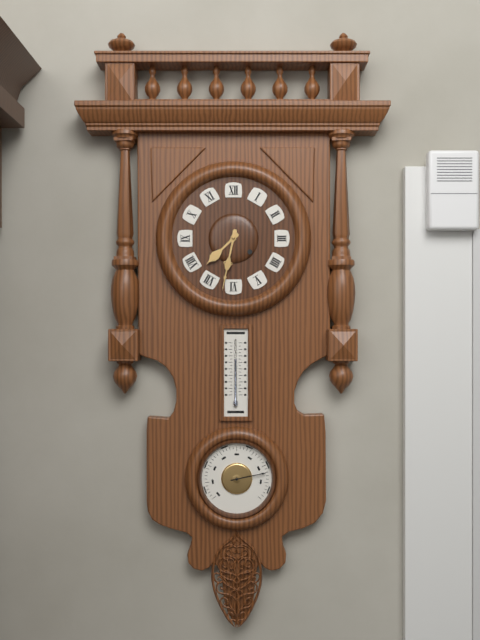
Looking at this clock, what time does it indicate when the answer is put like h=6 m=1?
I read h=7 m=32
